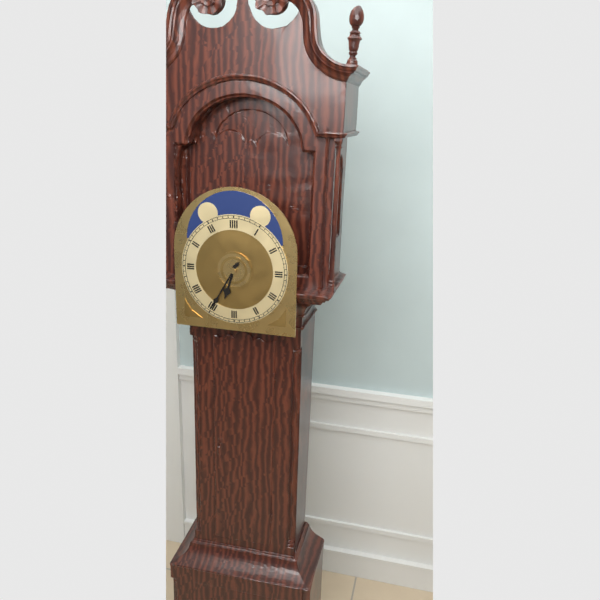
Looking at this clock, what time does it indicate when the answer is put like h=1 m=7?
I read h=6 m=35
